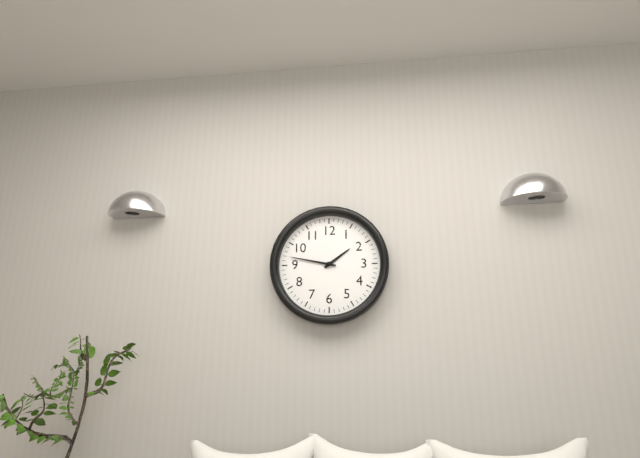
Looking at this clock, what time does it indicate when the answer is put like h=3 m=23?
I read h=1 m=47
